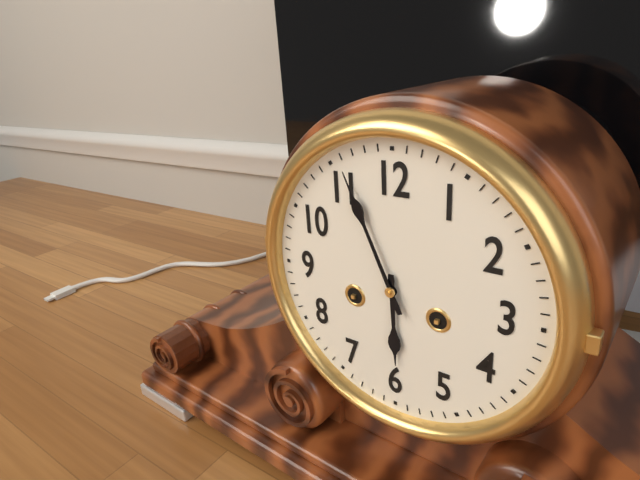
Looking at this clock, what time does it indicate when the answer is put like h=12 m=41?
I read h=5 m=56
